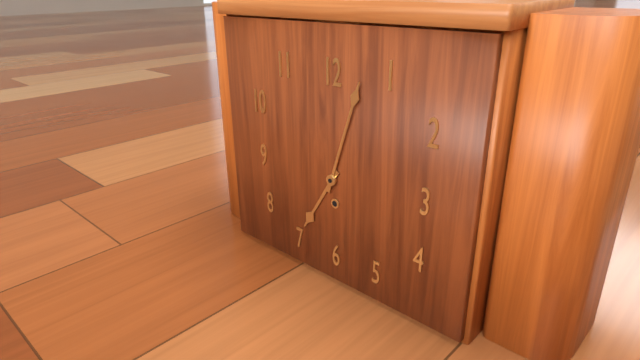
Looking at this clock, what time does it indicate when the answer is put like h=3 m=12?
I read h=7 m=3
